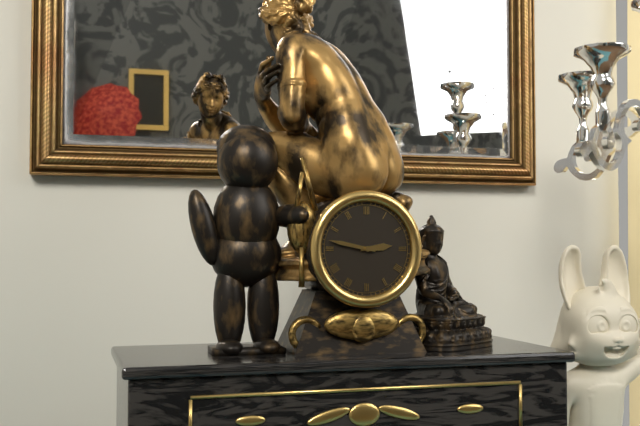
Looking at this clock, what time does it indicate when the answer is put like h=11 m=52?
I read h=2 m=47
